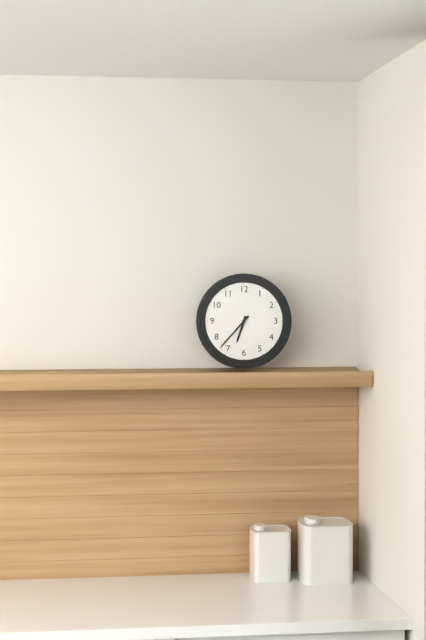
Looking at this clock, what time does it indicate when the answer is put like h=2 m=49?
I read h=6 m=37
